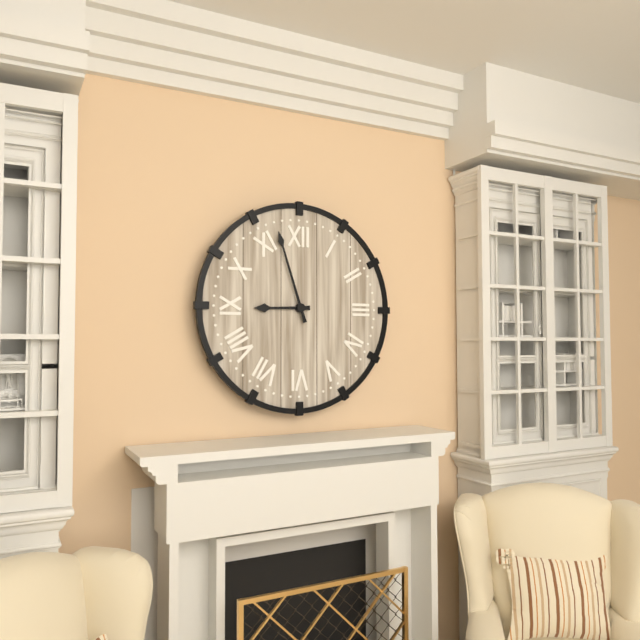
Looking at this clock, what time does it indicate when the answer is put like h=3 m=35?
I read h=8 m=57
